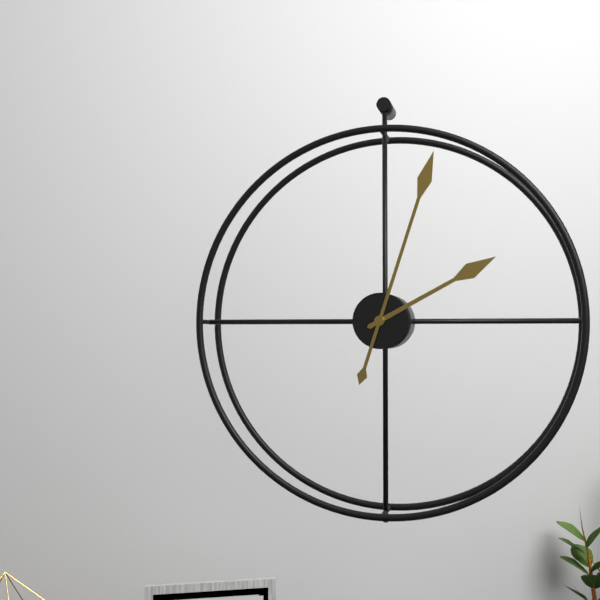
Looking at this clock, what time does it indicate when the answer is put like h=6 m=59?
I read h=2 m=3
